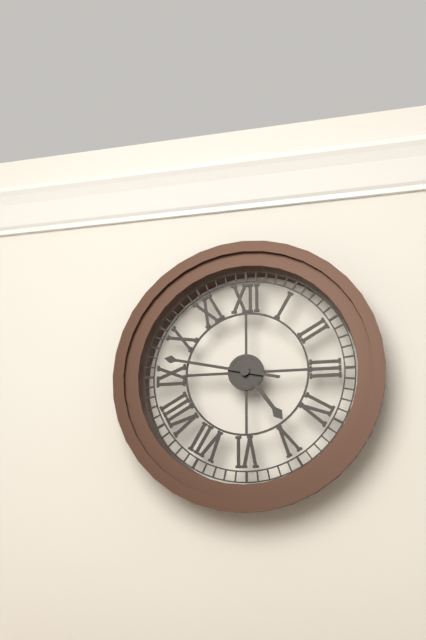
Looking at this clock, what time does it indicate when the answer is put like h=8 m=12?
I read h=4 m=47
